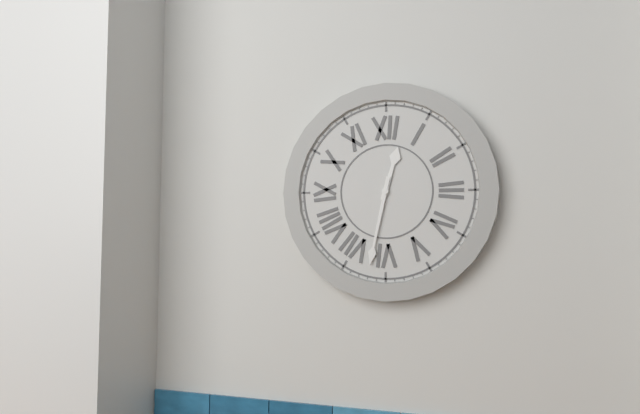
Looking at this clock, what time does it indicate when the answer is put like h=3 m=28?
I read h=12 m=32
